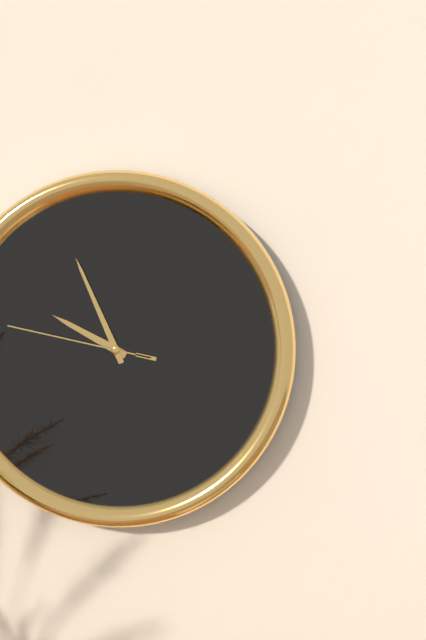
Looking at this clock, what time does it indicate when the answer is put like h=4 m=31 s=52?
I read h=9 m=56 s=47
